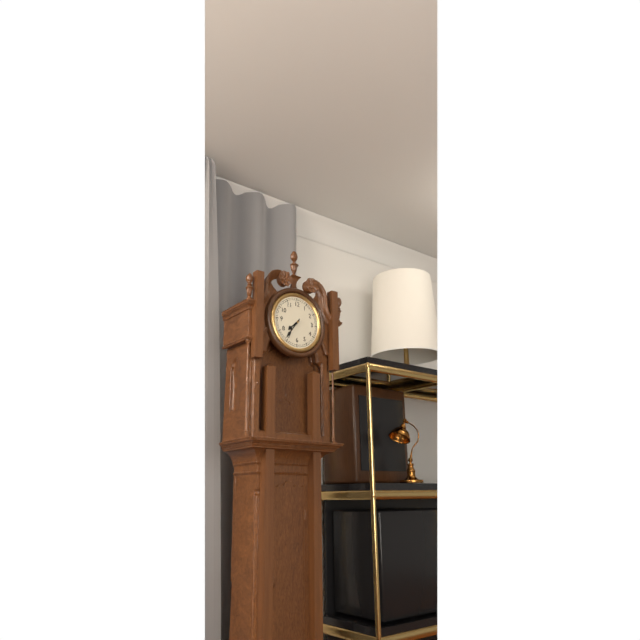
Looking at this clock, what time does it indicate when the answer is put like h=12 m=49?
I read h=7 m=36
